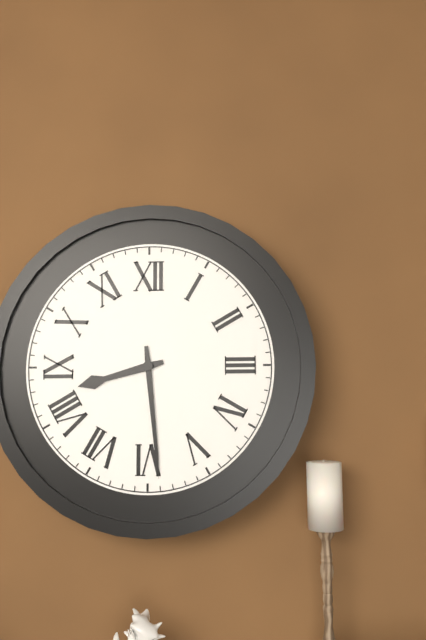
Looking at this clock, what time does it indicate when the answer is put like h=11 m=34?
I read h=8 m=29
